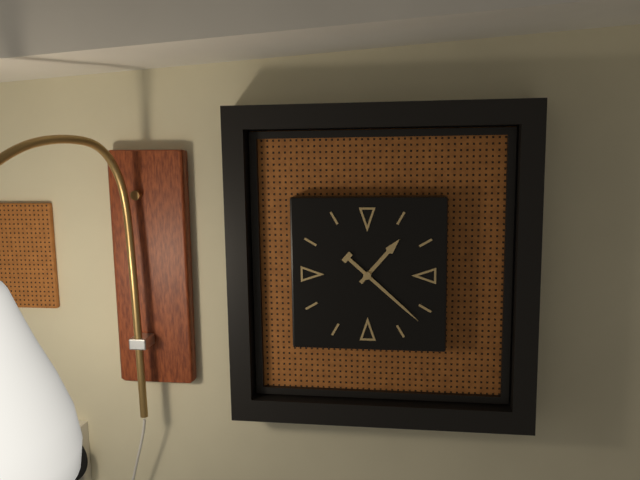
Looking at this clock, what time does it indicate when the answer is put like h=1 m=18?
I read h=1 m=22
